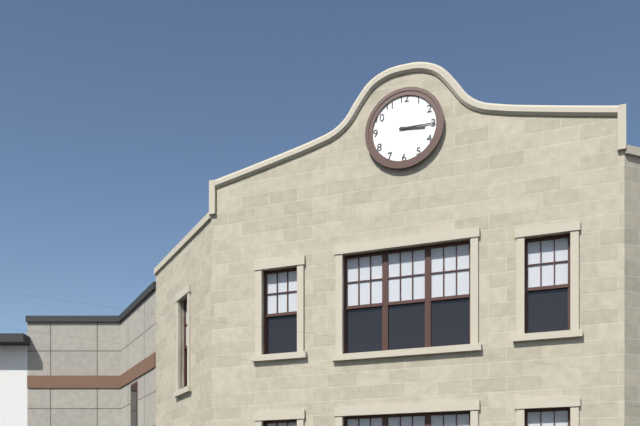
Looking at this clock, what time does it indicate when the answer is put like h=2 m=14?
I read h=3 m=15
